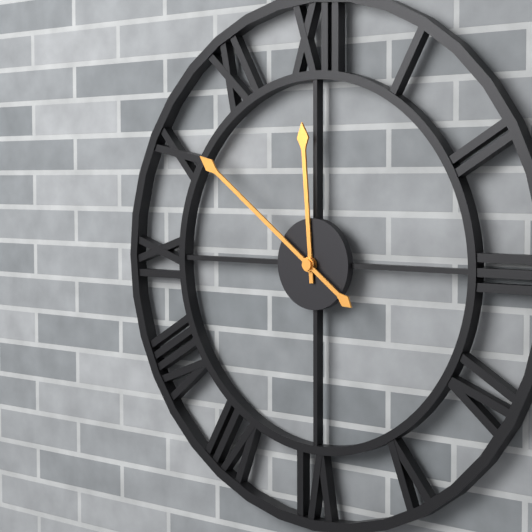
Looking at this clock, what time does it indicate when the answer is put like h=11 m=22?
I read h=11 m=51
